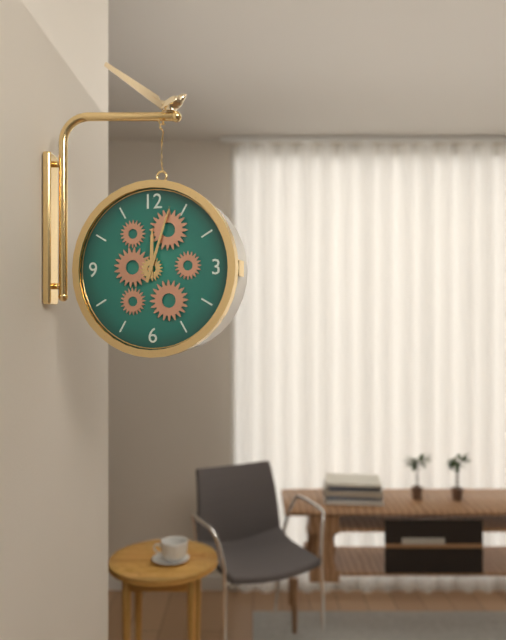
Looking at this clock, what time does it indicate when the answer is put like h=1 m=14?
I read h=12 m=3
